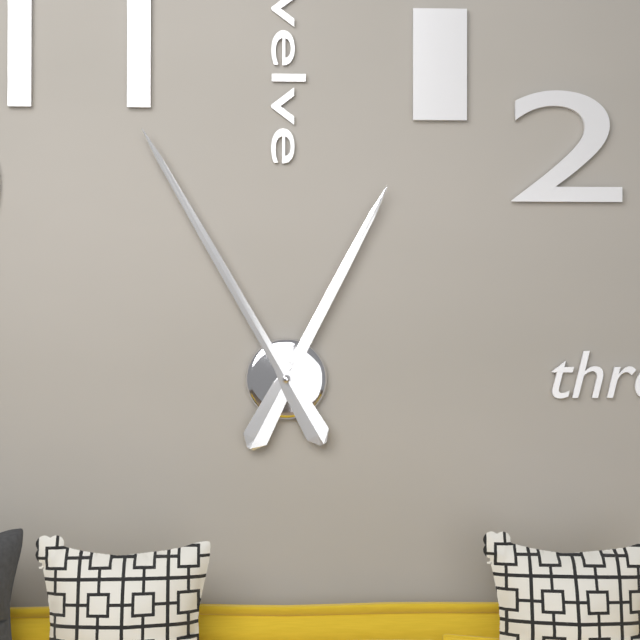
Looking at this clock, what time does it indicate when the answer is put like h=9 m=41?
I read h=12 m=55
